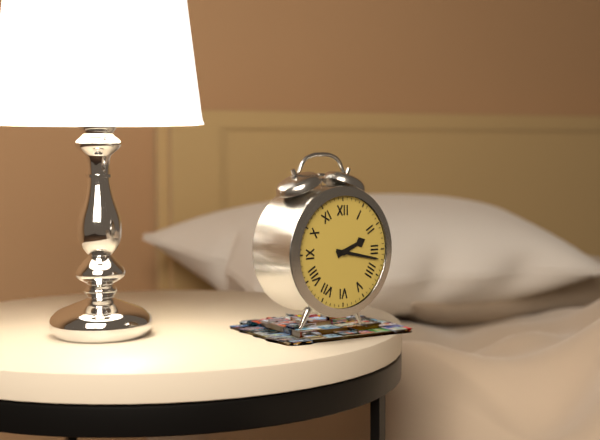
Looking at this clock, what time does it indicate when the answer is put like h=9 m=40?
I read h=2 m=17
